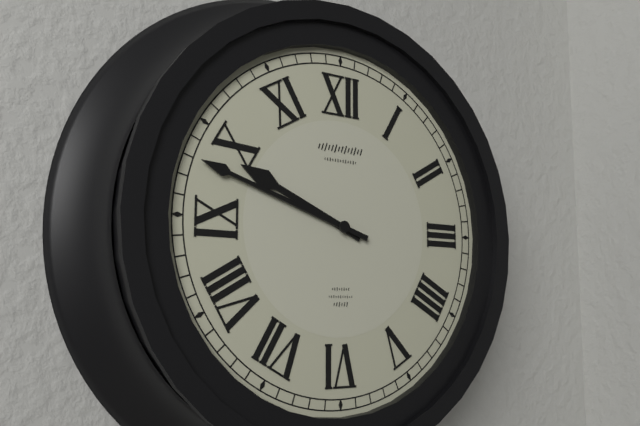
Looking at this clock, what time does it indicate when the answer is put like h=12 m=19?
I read h=9 m=48
